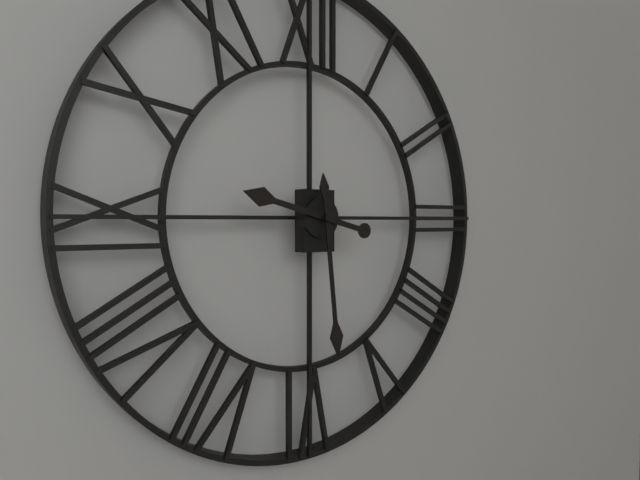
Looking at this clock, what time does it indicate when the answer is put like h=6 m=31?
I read h=9 m=29
